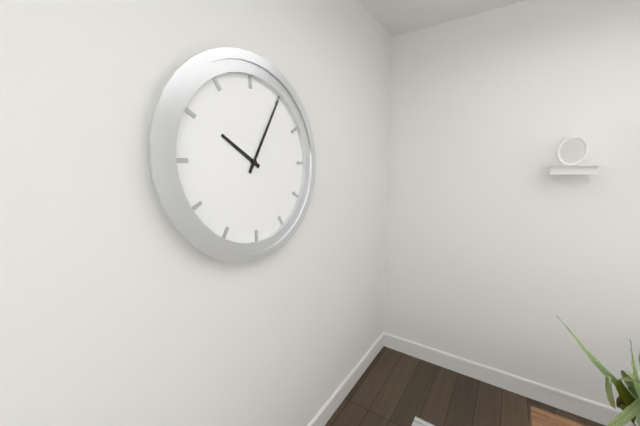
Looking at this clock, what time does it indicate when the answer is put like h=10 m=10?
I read h=10 m=5
